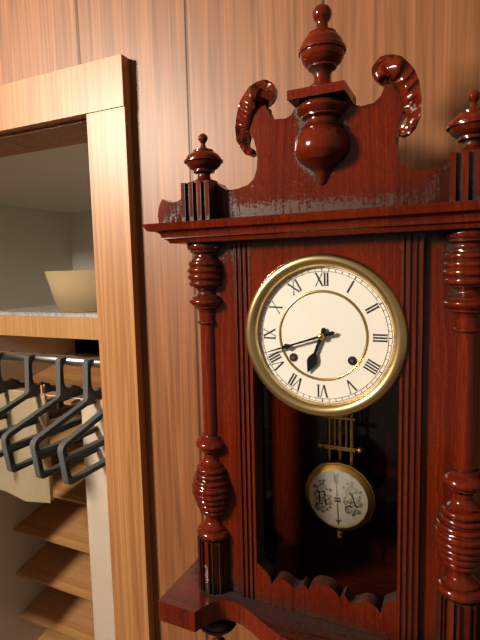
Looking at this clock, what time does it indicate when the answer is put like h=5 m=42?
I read h=6 m=42
